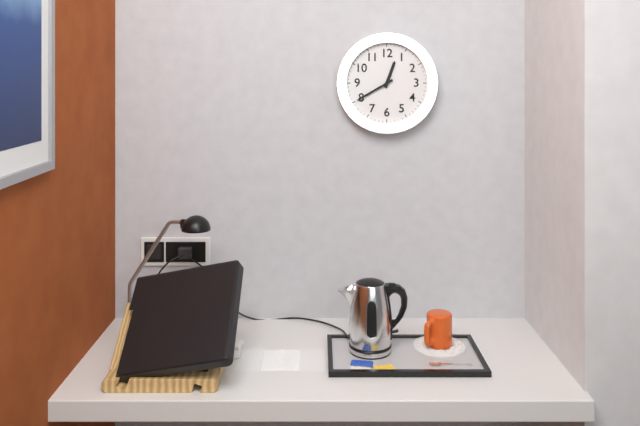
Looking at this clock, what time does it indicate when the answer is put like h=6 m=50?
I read h=12 m=40
